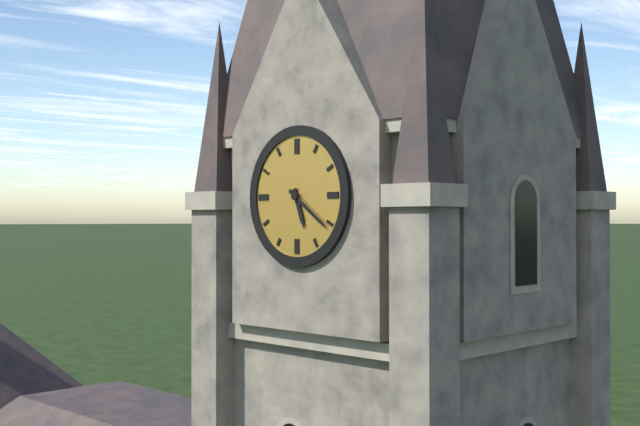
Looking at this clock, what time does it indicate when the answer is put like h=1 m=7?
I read h=5 m=21
